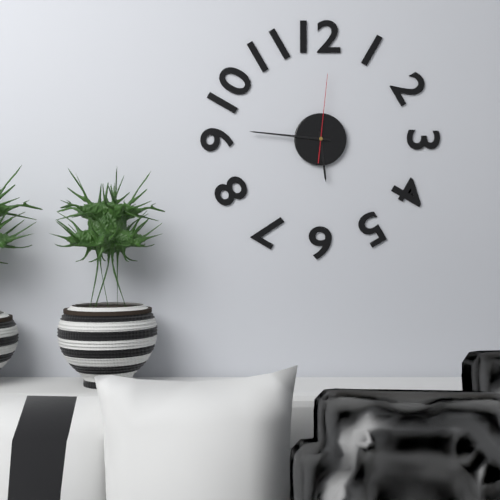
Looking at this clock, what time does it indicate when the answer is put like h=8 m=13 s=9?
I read h=5 m=46 s=1
